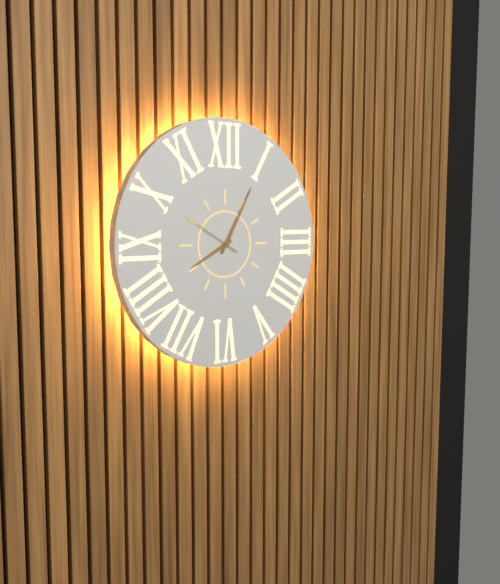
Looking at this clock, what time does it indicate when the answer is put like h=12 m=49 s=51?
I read h=8 m=5 s=50
